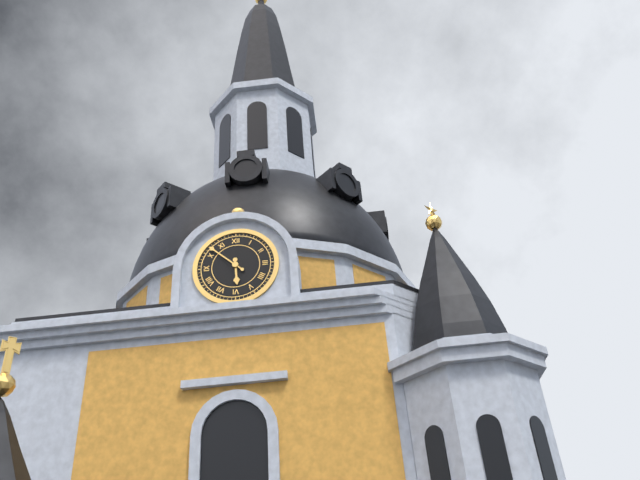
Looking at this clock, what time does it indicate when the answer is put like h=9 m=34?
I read h=5 m=52
